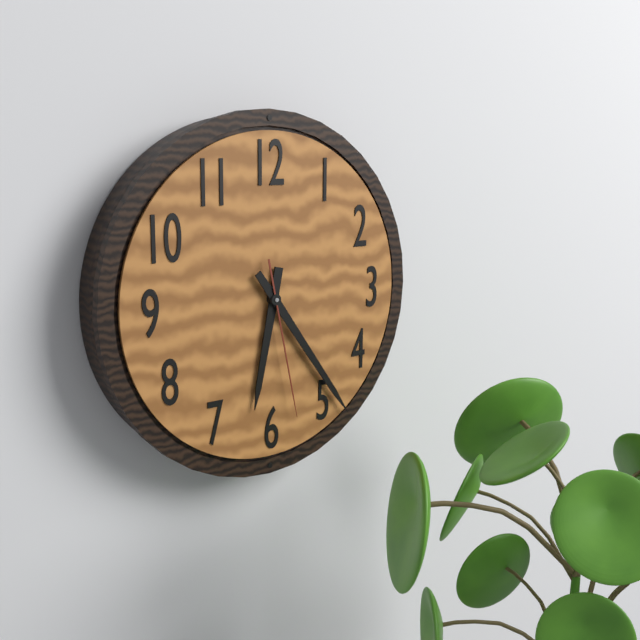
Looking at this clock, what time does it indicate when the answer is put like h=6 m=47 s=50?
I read h=6 m=24 s=28
